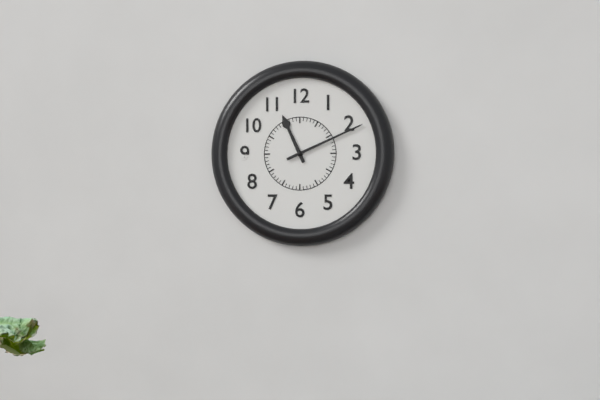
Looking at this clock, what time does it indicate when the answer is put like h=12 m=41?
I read h=11 m=11
